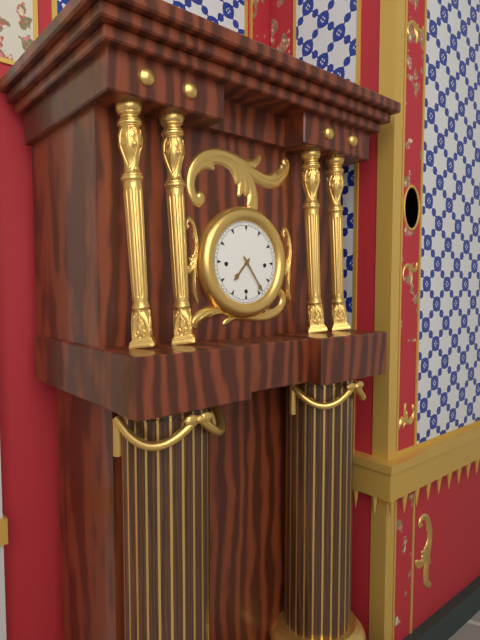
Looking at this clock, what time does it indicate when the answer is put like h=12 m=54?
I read h=7 m=24
